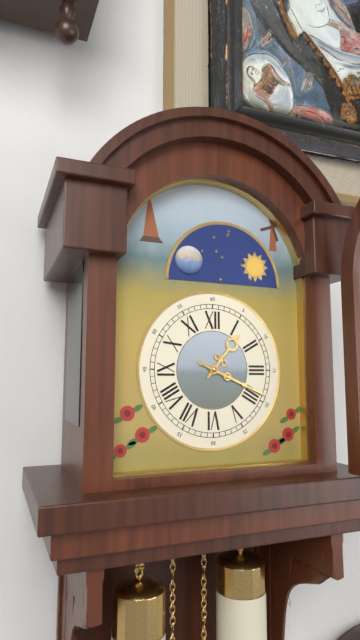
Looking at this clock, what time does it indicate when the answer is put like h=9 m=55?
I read h=1 m=19
